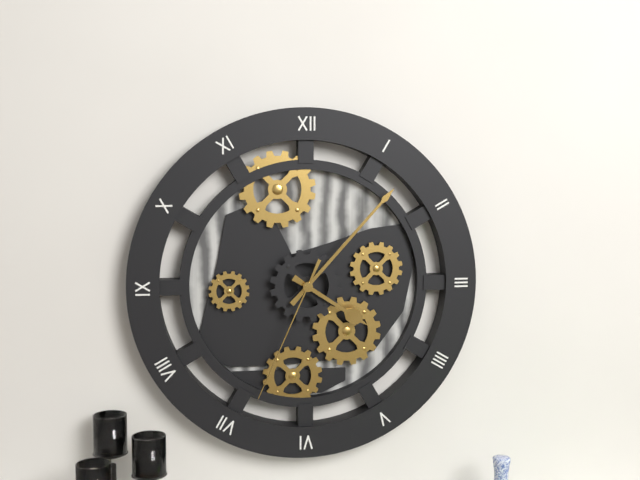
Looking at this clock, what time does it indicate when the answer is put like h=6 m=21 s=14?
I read h=4 m=7 s=34
